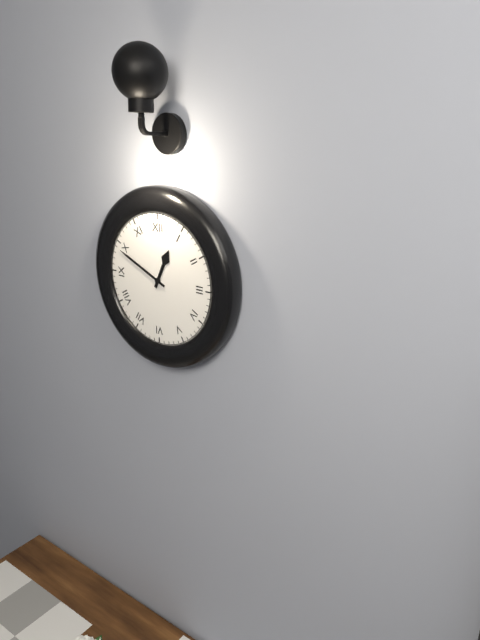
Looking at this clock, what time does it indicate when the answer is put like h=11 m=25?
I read h=12 m=49
